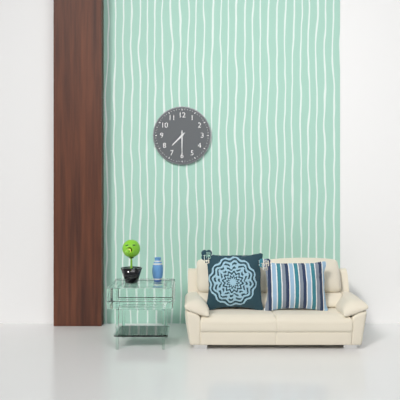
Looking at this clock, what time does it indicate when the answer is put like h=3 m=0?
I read h=7 m=30
